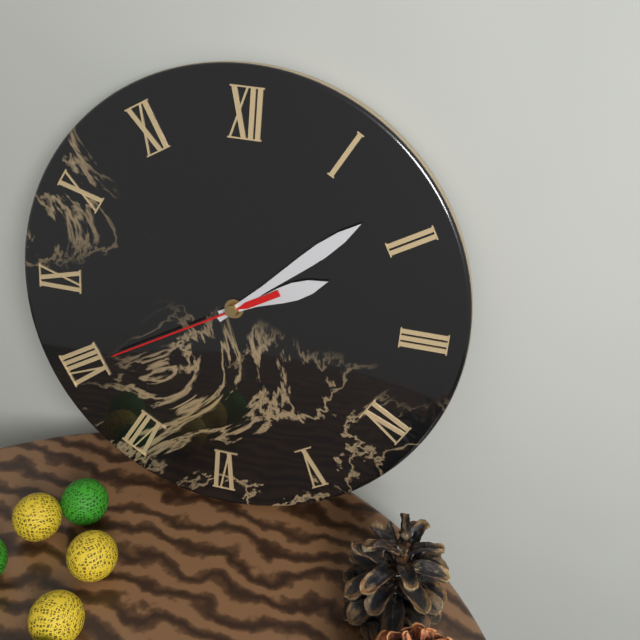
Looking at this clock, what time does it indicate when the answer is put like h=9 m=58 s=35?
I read h=2 m=8 s=40
